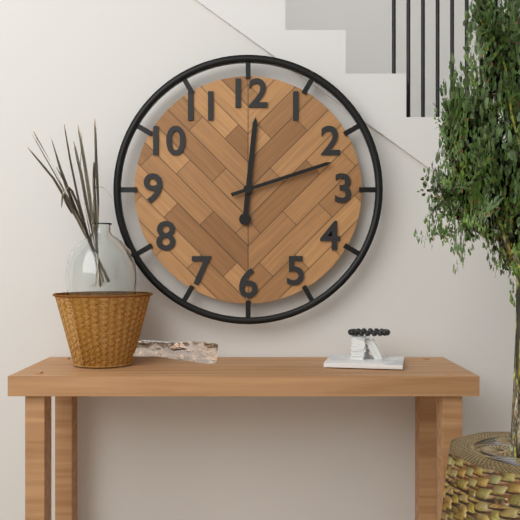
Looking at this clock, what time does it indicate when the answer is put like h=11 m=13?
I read h=12 m=12
